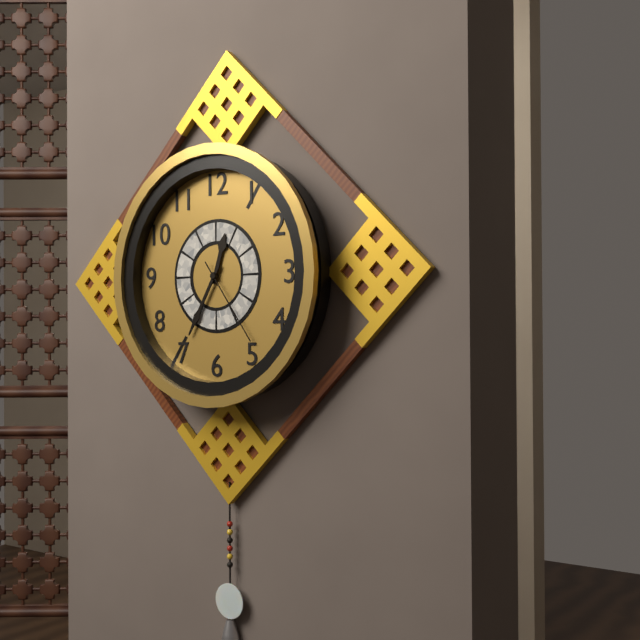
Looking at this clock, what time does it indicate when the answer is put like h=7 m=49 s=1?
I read h=12 m=35 s=24
